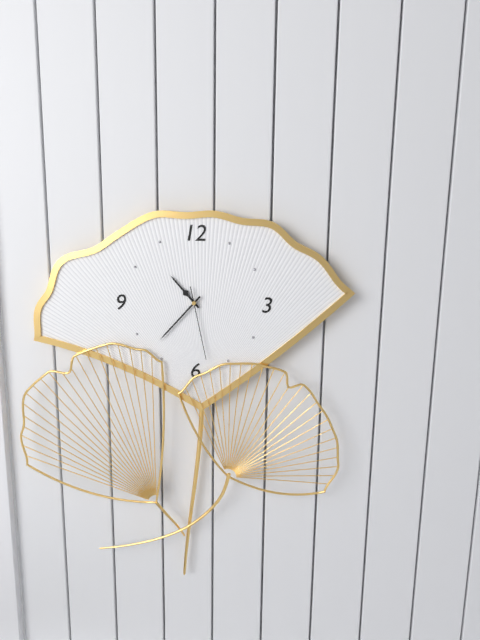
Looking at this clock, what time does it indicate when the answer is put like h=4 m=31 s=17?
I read h=10 m=37 s=28
